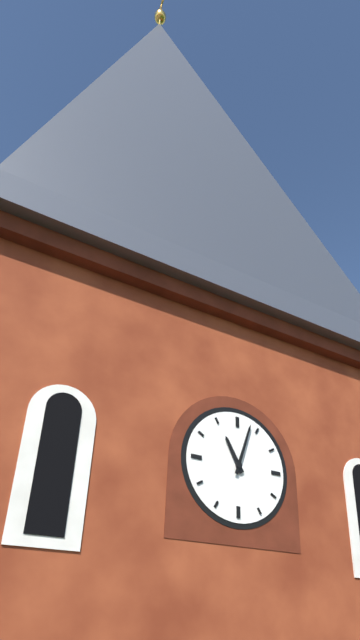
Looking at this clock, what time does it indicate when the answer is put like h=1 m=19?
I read h=11 m=3
